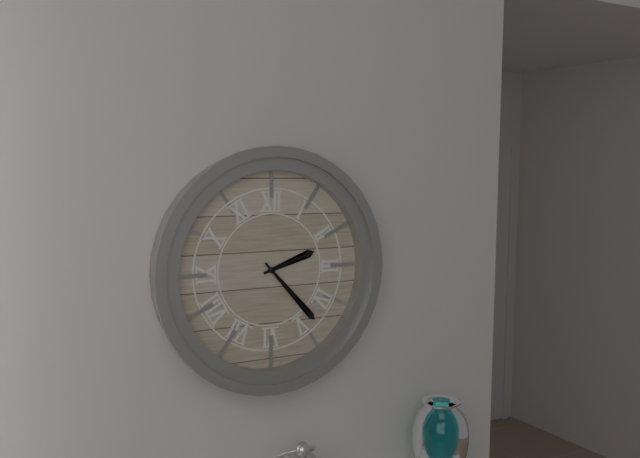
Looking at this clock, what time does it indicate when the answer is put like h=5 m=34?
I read h=2 m=23
